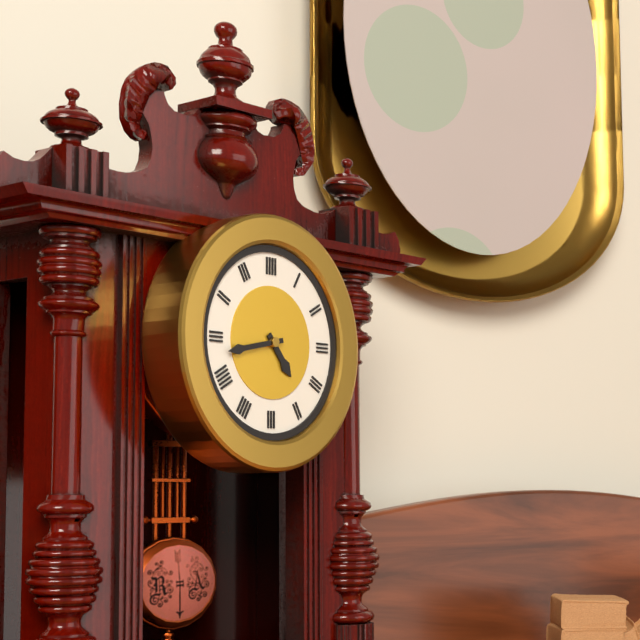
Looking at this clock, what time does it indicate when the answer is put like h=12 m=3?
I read h=4 m=43
